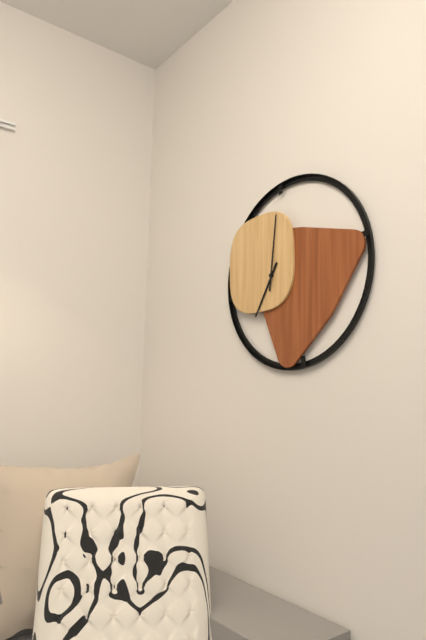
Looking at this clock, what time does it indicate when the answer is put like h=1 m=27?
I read h=7 m=1
